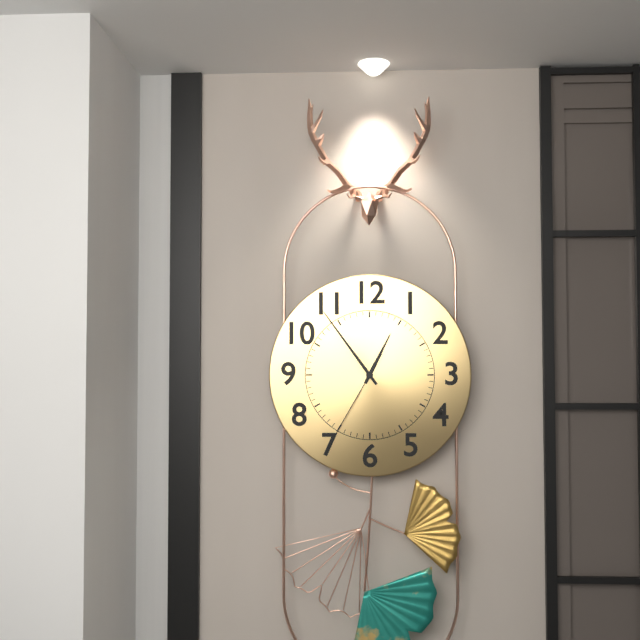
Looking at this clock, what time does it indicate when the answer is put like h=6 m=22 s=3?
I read h=12 m=54 s=35
